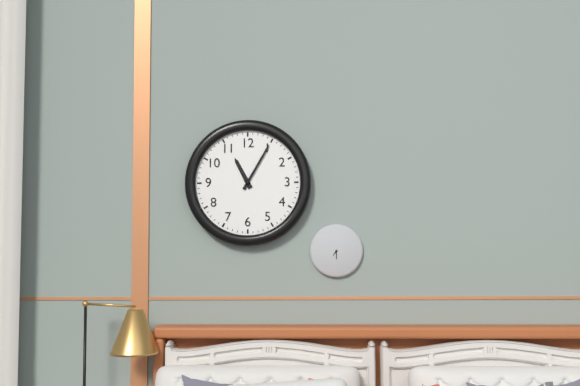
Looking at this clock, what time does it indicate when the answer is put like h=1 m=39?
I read h=11 m=5
